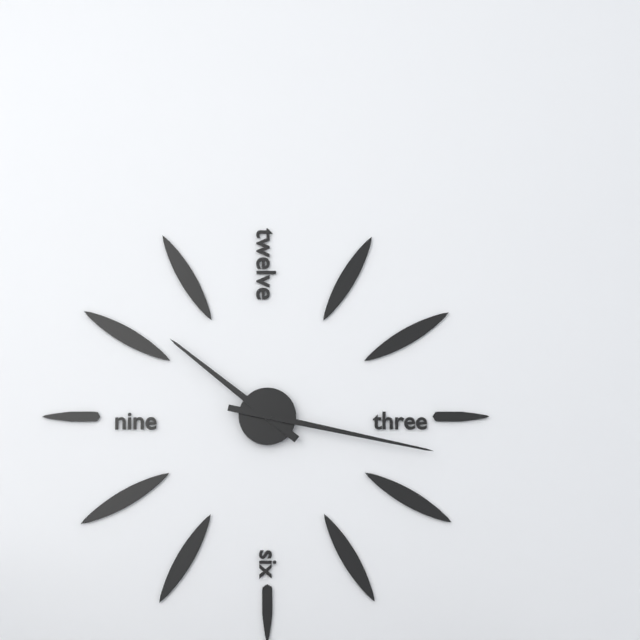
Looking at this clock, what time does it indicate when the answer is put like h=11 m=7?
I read h=10 m=17
